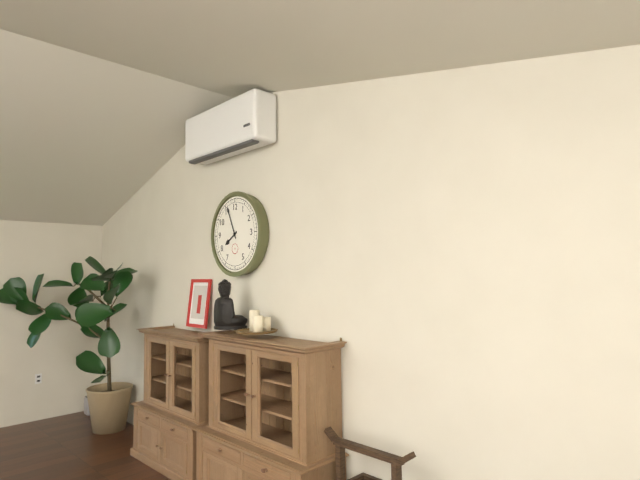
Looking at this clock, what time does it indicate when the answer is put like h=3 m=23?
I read h=7 m=56
